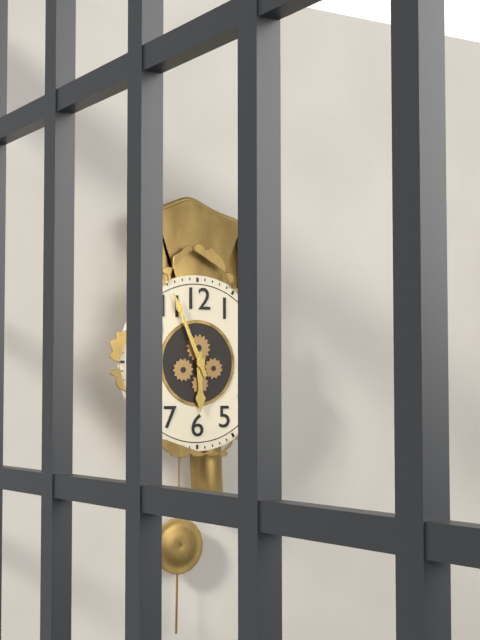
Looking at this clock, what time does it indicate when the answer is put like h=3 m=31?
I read h=5 m=56
